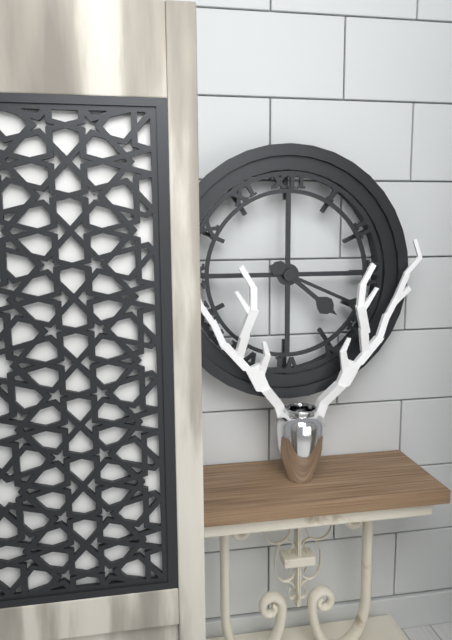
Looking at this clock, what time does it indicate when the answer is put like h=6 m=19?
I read h=4 m=19
